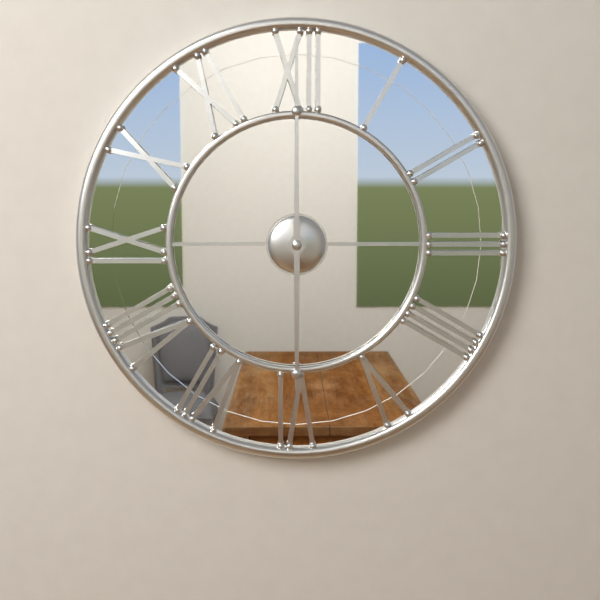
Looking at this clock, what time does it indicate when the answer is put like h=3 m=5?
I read h=6 m=0
